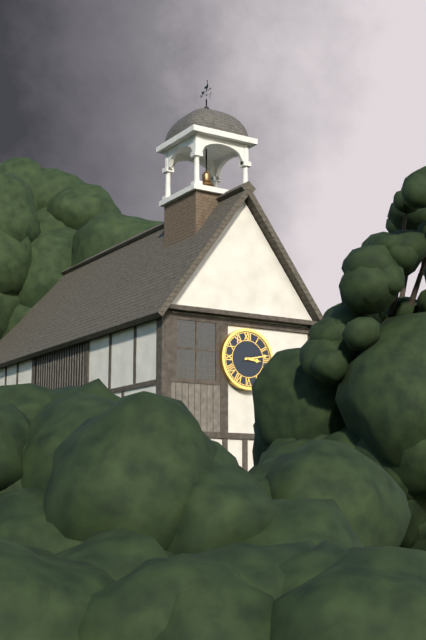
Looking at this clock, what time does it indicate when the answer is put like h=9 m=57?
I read h=3 m=13
